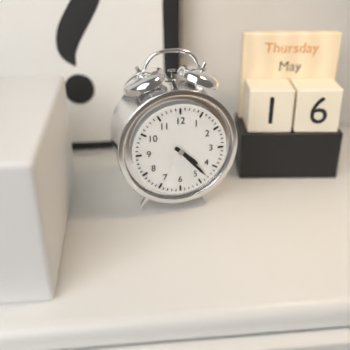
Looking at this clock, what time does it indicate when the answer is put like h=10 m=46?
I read h=4 m=23
